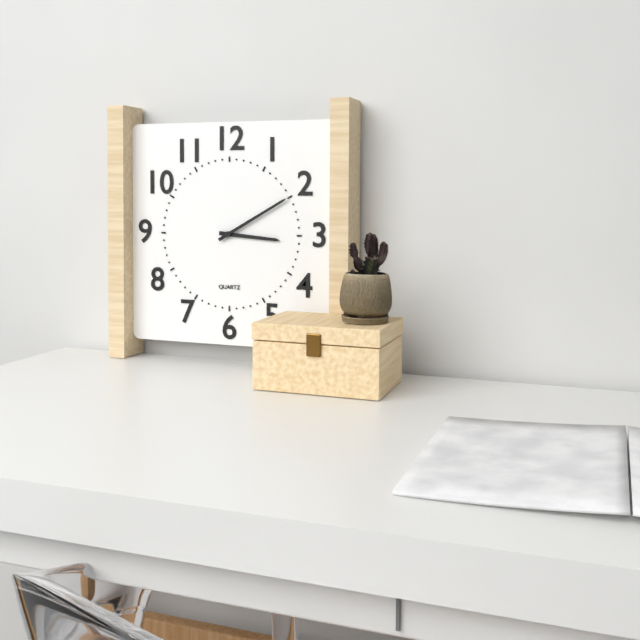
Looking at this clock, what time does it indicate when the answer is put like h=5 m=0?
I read h=3 m=10
